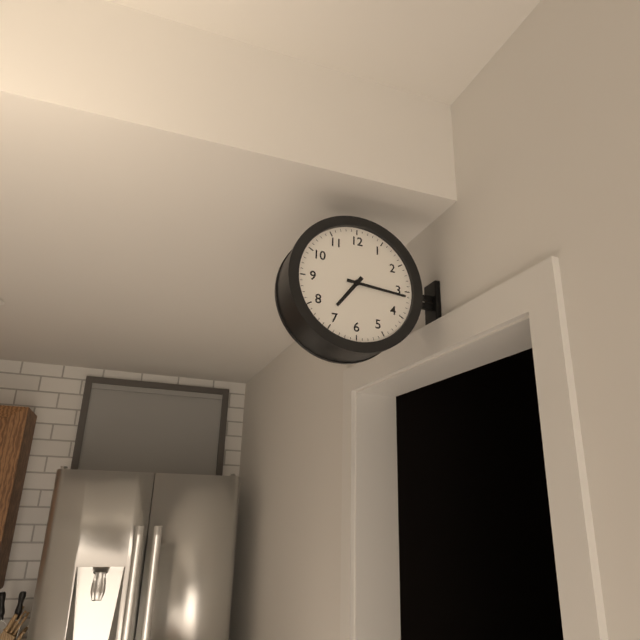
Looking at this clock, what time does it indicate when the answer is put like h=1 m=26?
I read h=7 m=16
